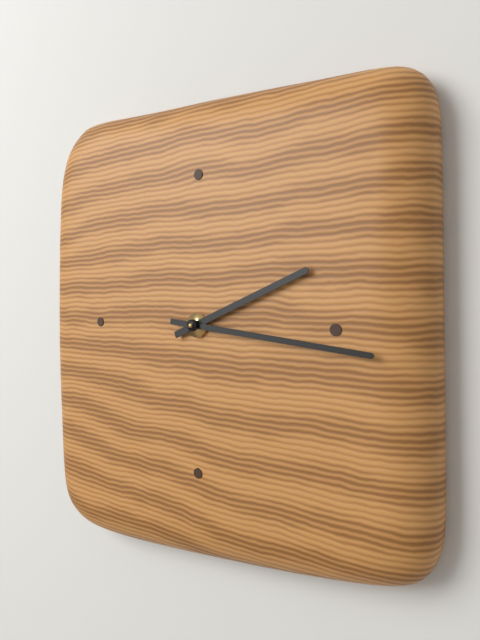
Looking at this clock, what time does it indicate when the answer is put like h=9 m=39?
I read h=2 m=16
